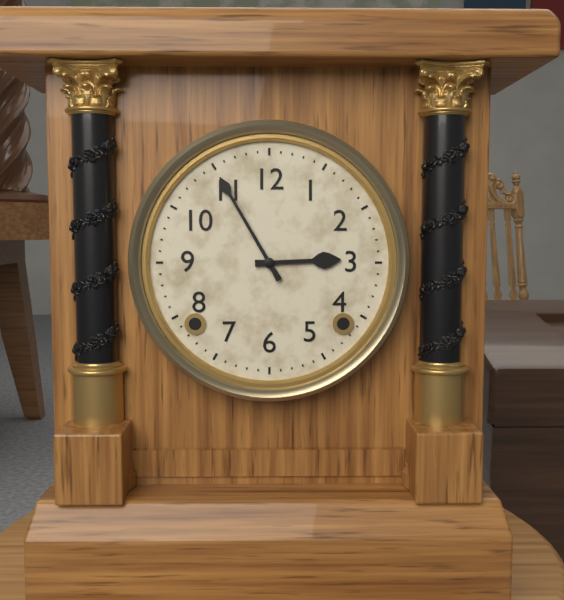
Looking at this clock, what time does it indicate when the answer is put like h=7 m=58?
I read h=2 m=55
